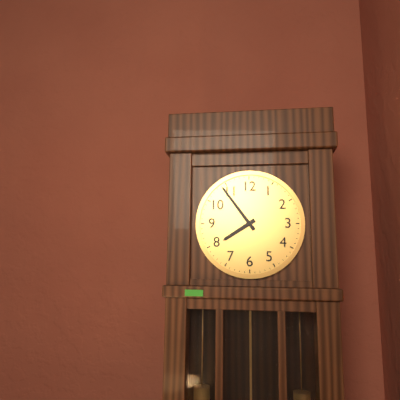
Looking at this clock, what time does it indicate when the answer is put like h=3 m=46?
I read h=7 m=54
